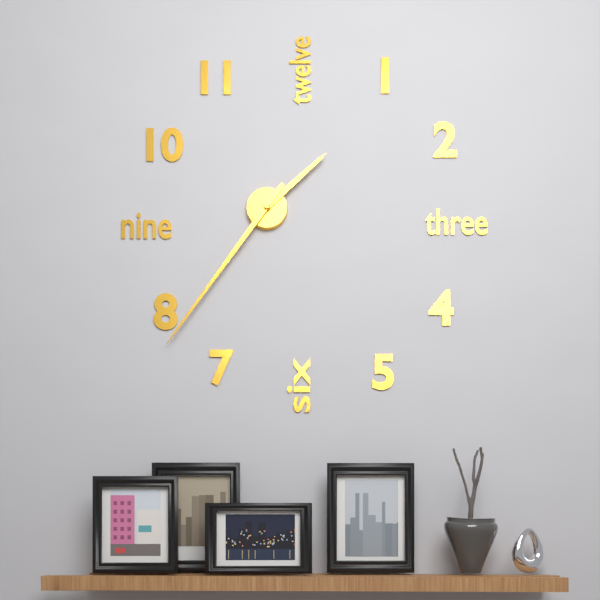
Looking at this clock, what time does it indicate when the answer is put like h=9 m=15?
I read h=1 m=36
